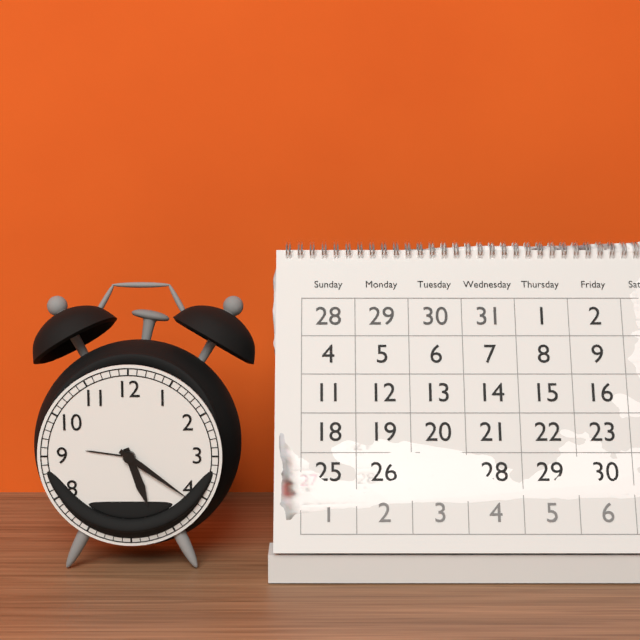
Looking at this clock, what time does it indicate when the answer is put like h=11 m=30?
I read h=5 m=21
